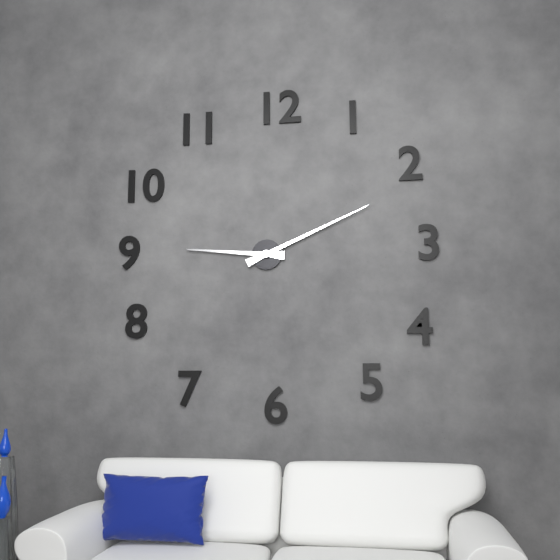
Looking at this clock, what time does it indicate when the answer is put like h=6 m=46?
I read h=9 m=11
